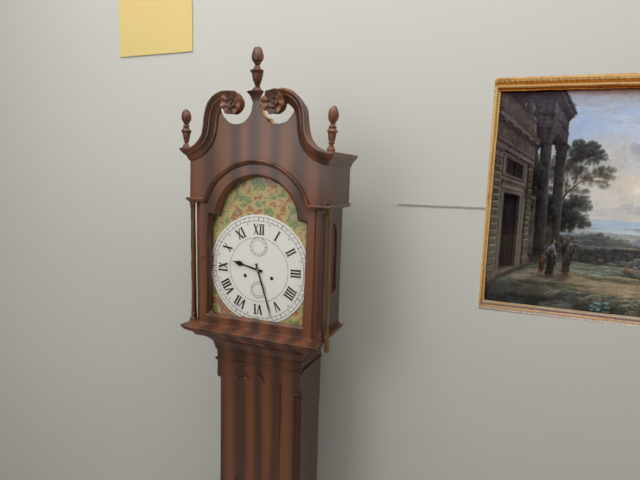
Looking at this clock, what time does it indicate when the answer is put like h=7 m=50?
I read h=9 m=27
